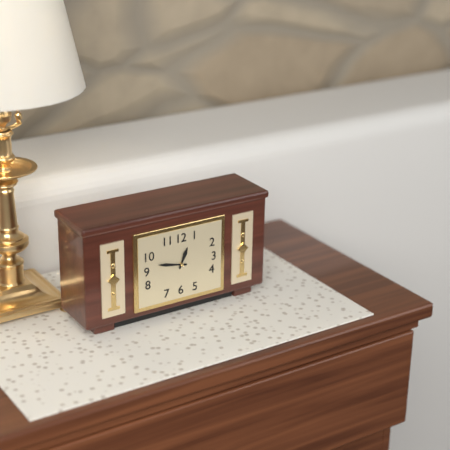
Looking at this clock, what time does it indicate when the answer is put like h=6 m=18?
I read h=12 m=47
